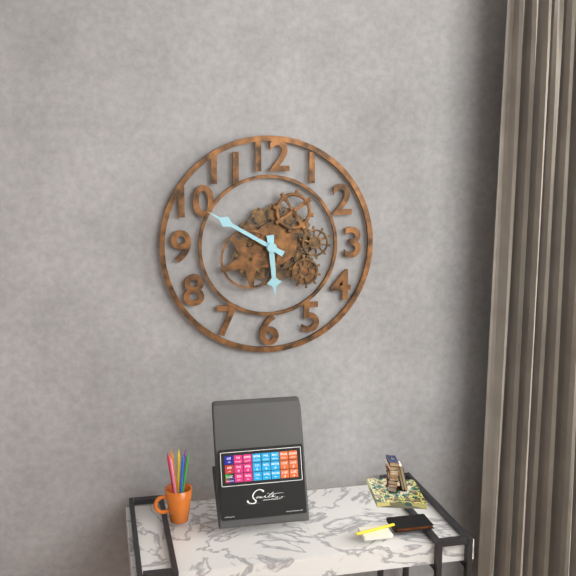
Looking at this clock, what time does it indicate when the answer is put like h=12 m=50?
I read h=5 m=50
